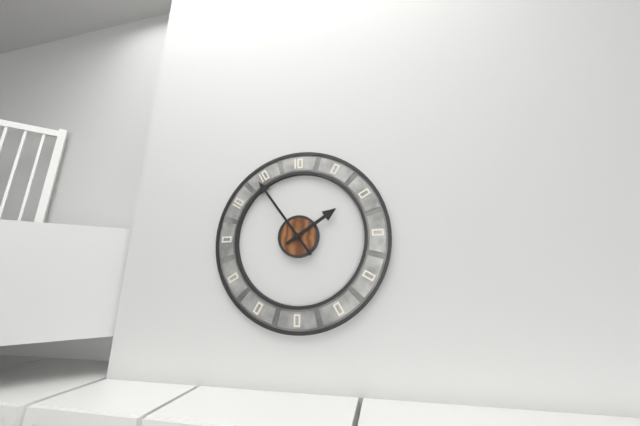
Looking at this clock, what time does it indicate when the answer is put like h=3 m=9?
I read h=1 m=54
